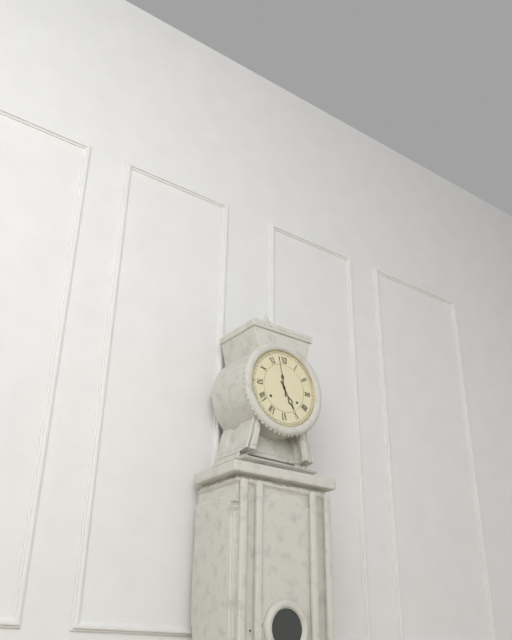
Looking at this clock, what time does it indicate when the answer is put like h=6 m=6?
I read h=4 m=58
